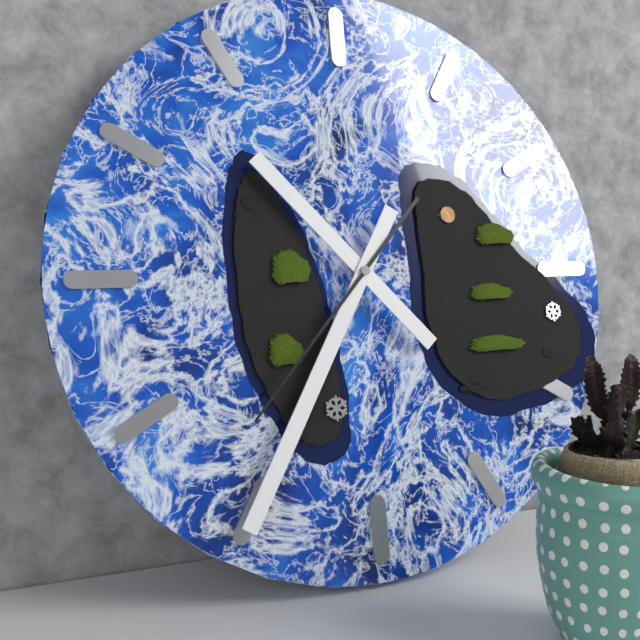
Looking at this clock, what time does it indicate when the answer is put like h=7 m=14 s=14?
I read h=10 m=35 s=37
